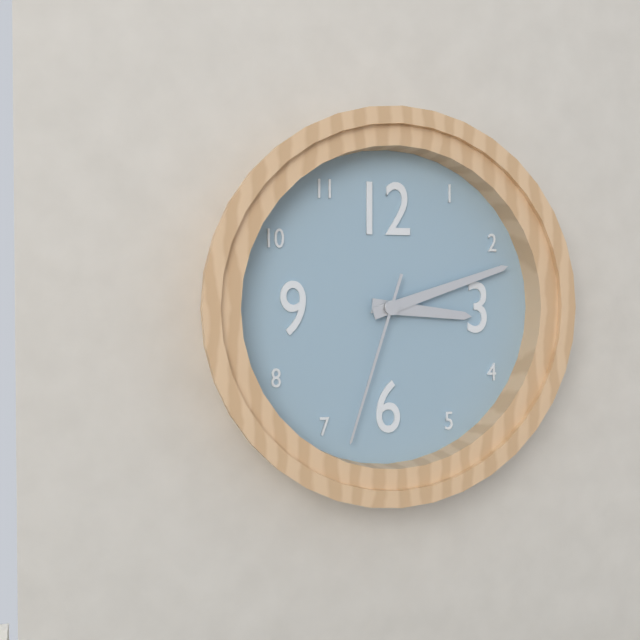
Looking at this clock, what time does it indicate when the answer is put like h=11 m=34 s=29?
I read h=3 m=12 s=33
